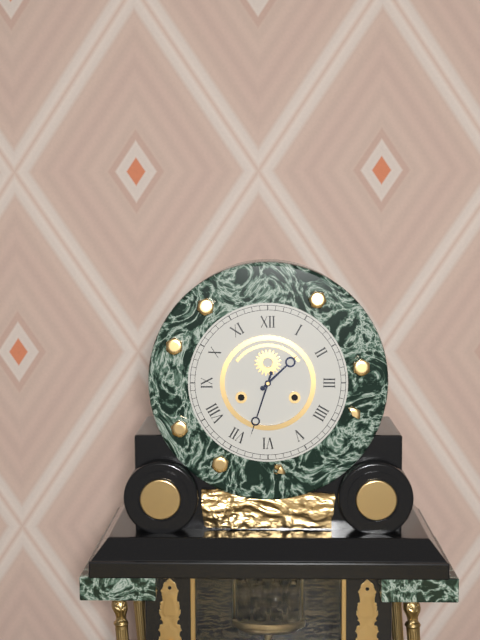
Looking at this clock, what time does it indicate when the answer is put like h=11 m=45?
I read h=1 m=33
